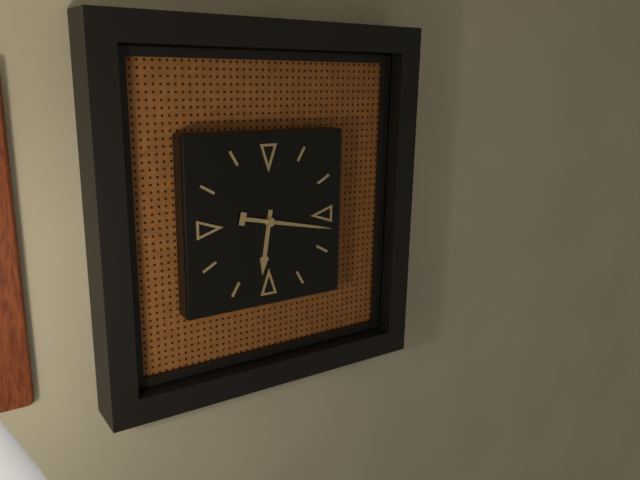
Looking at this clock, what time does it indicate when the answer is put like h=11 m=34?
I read h=6 m=17
